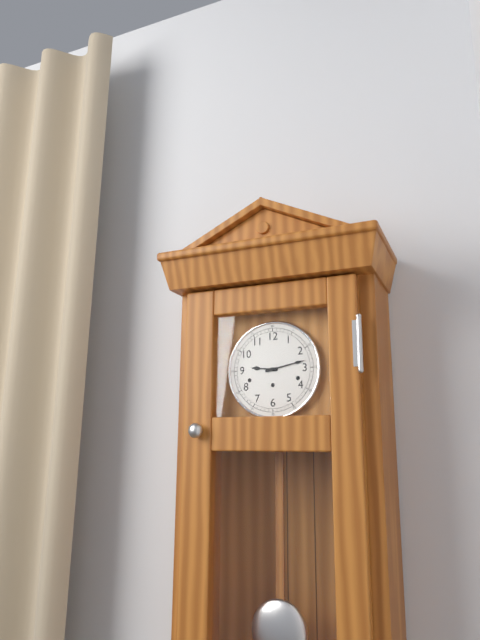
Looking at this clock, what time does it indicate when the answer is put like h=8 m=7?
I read h=9 m=13
